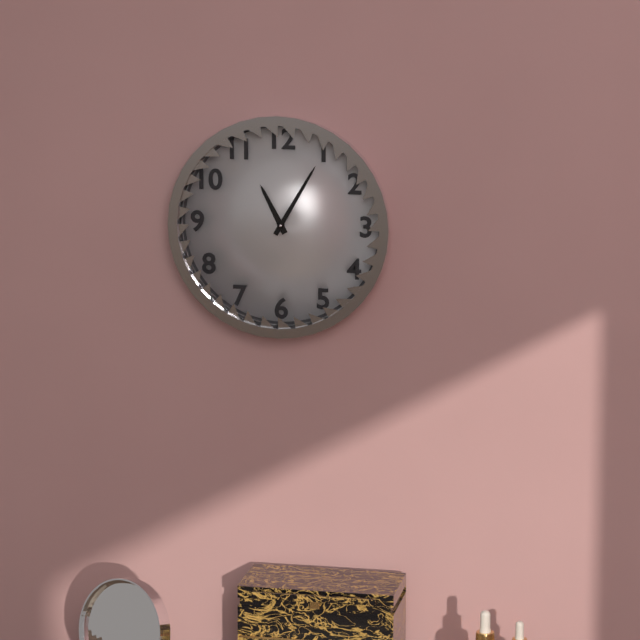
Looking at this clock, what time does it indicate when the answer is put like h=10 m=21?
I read h=11 m=5
